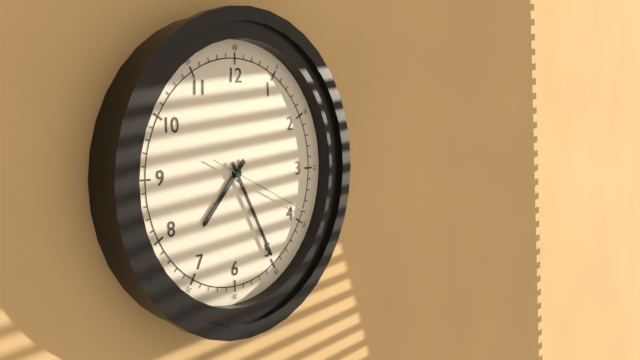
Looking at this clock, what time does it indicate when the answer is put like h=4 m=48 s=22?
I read h=7 m=25 s=19
